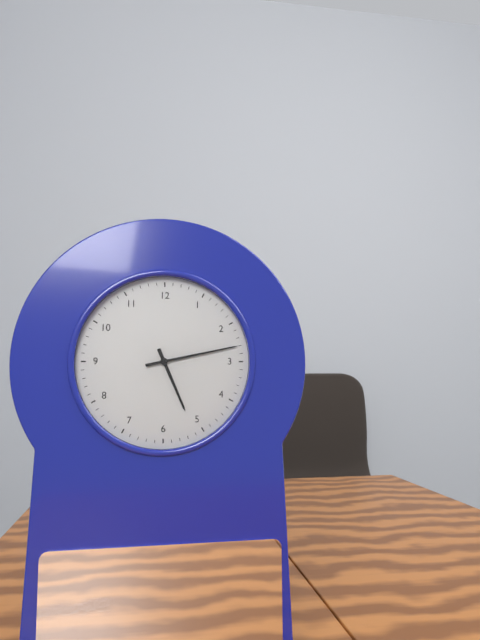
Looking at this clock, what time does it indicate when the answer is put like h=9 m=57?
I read h=5 m=13
